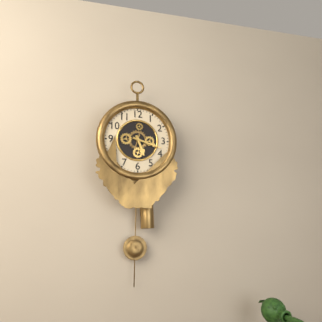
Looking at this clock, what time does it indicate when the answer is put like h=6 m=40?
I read h=5 m=18
